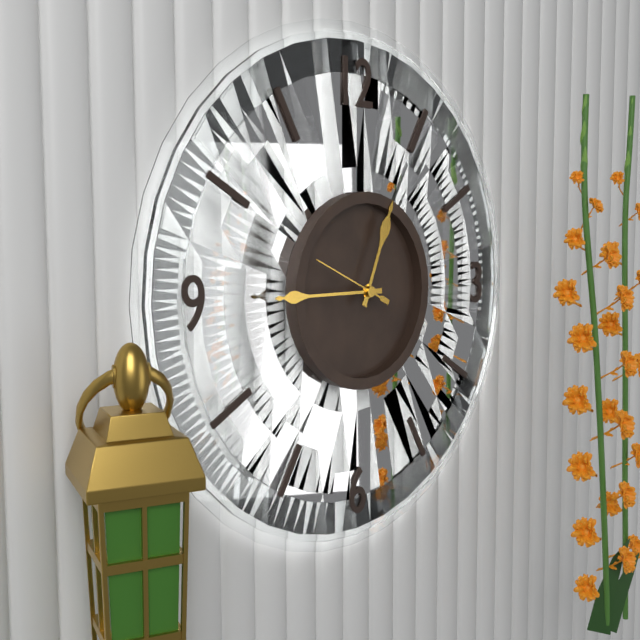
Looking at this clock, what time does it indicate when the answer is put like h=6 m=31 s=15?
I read h=12 m=45 s=49
